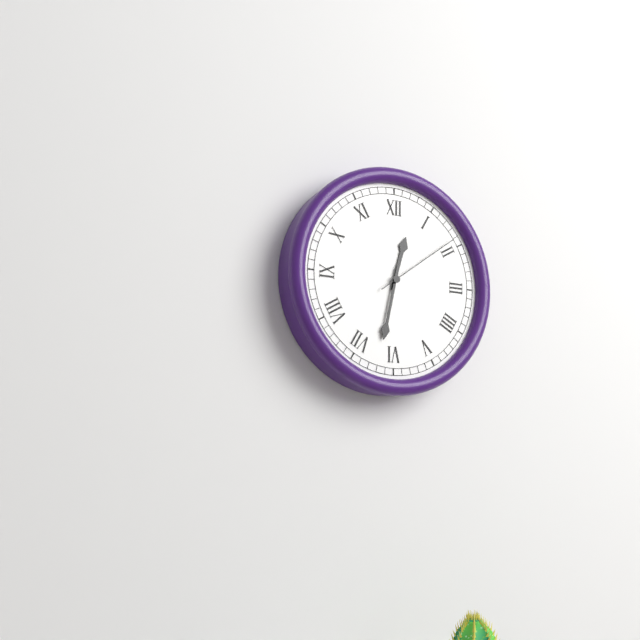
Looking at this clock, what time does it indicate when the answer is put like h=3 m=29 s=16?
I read h=12 m=32 s=9
